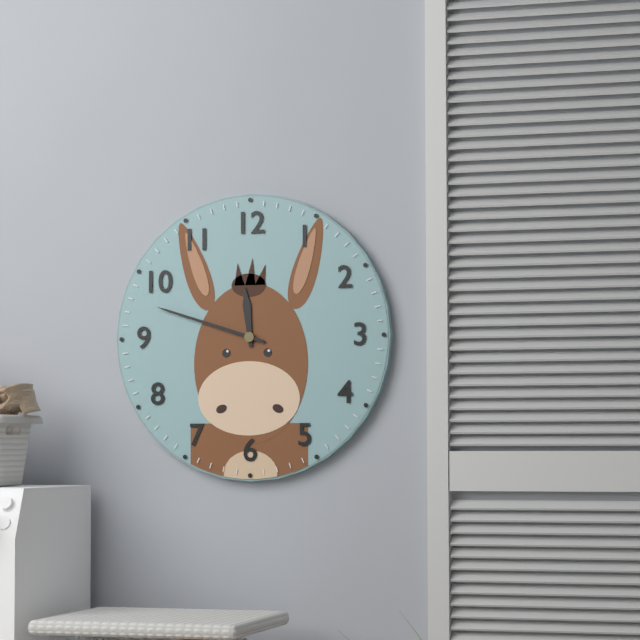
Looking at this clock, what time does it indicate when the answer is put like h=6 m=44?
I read h=11 m=48
